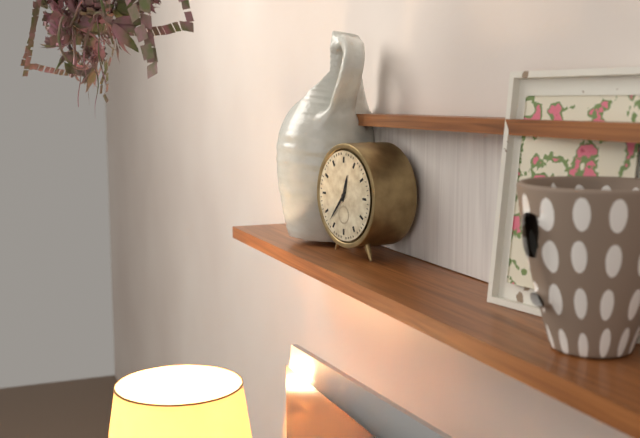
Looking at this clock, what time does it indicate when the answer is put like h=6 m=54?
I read h=12 m=37
